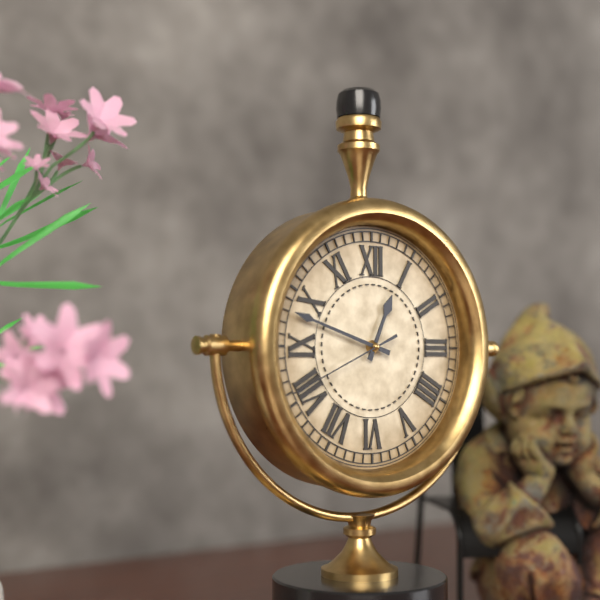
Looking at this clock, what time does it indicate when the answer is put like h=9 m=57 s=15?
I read h=12 m=48 s=41
